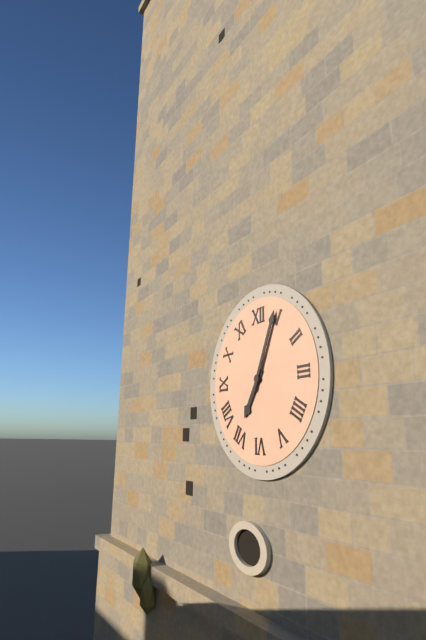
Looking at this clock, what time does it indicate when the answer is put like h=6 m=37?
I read h=7 m=4
